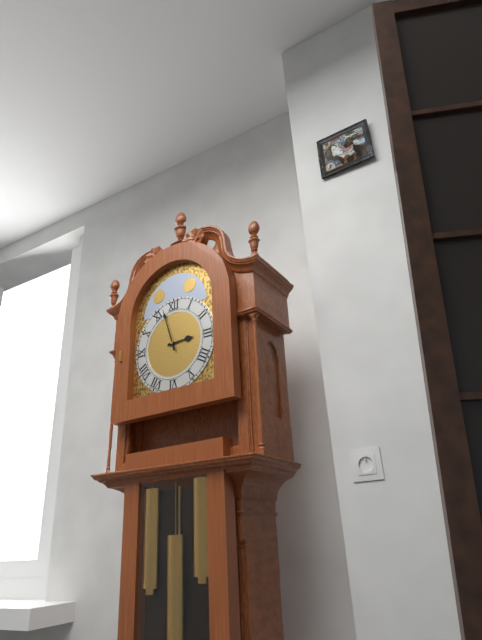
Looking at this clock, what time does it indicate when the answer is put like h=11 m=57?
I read h=2 m=57
